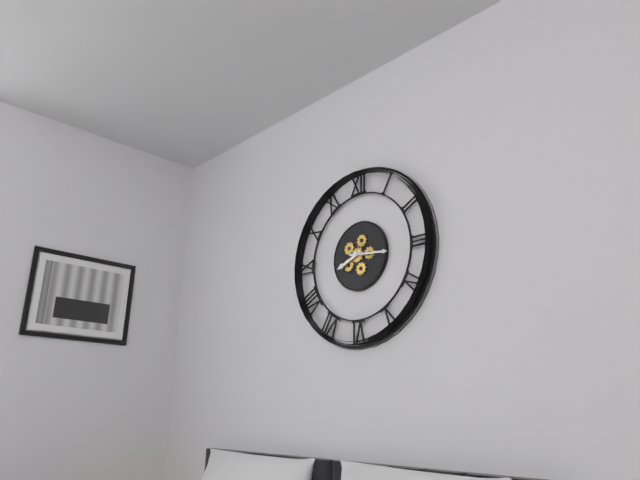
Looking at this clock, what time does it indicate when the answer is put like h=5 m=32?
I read h=8 m=16
